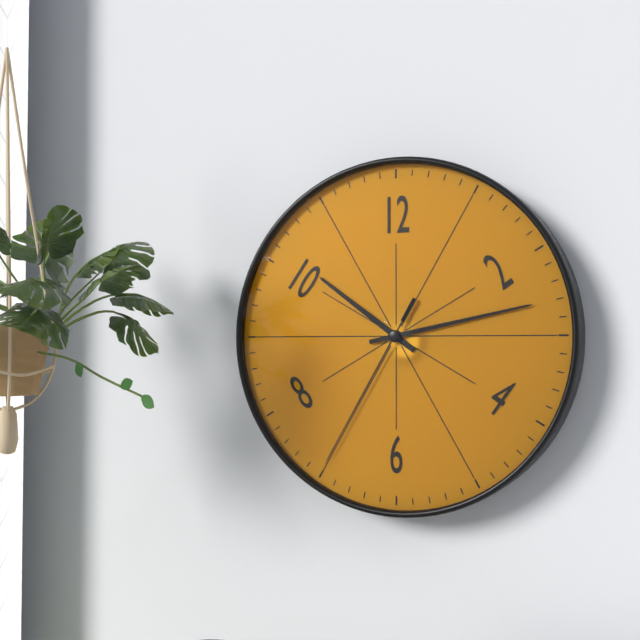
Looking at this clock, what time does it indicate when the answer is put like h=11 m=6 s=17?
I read h=10 m=13 s=35
